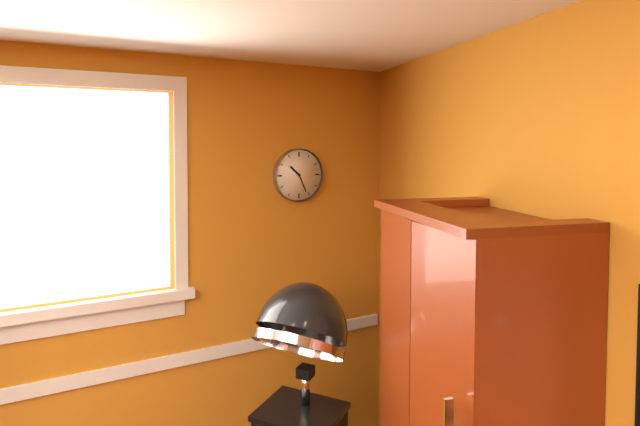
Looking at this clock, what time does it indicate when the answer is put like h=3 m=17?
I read h=10 m=26
